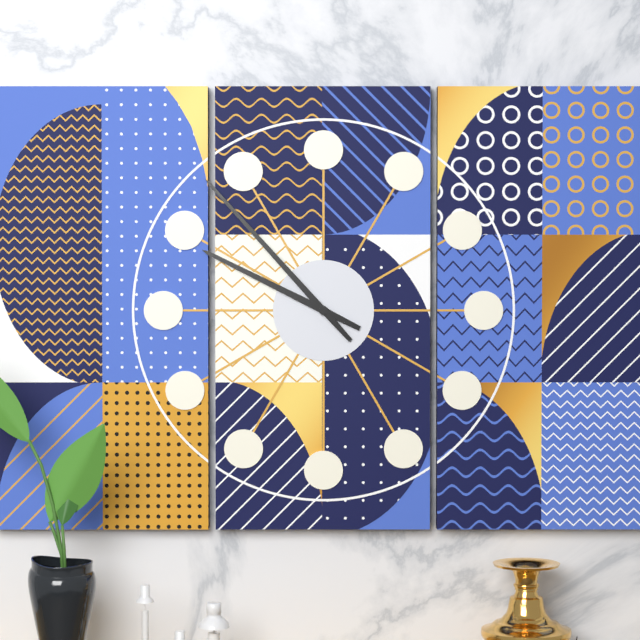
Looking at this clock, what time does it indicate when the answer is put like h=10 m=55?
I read h=9 m=53
